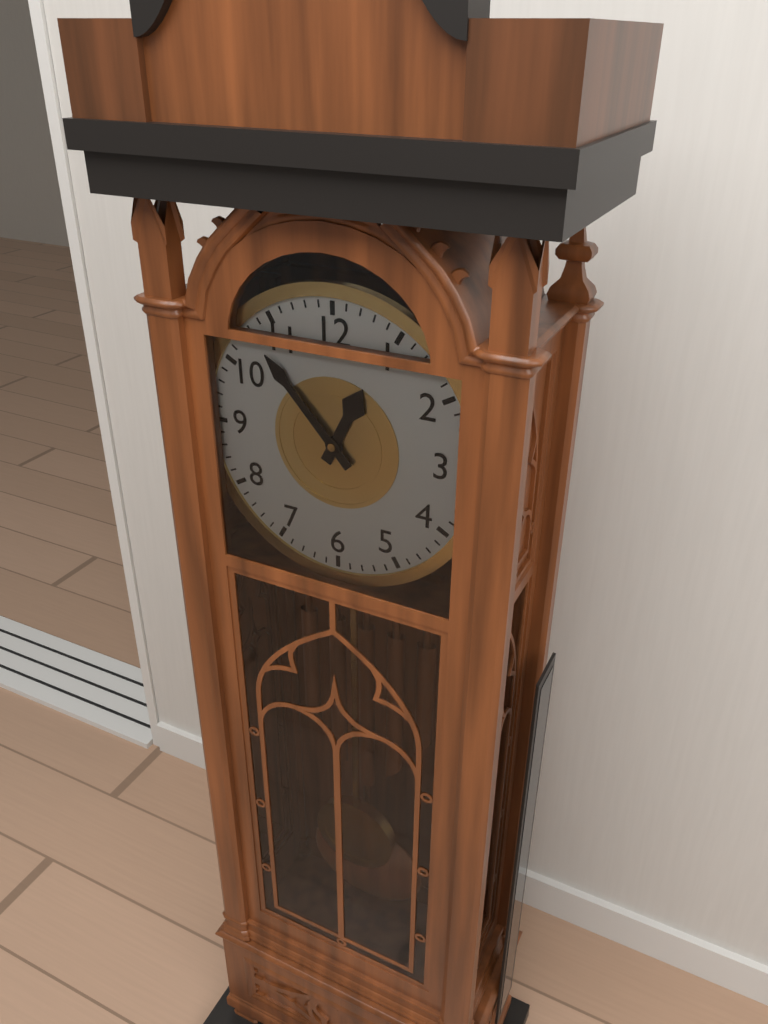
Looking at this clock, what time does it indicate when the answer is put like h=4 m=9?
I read h=12 m=53
